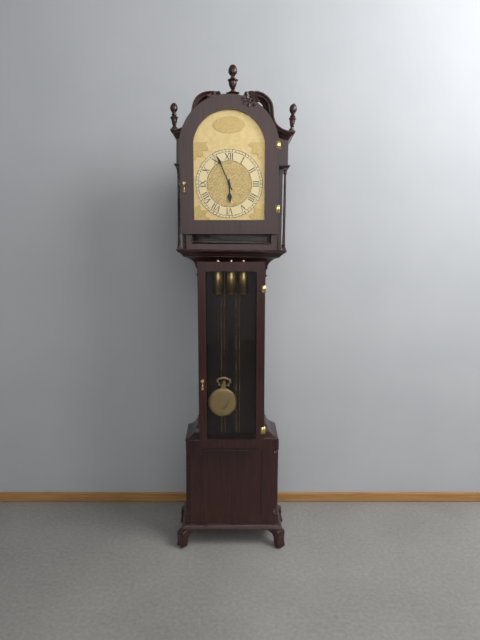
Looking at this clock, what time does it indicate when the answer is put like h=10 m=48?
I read h=5 m=56
